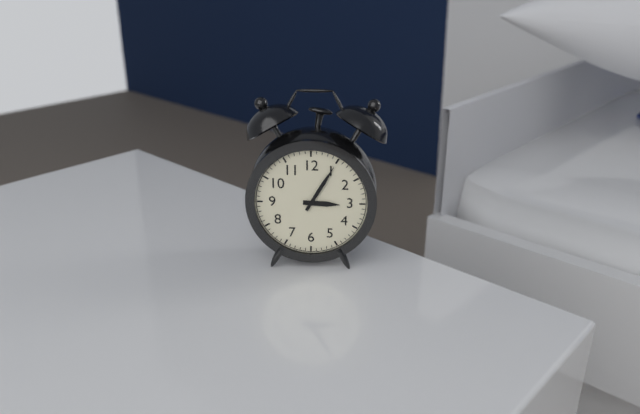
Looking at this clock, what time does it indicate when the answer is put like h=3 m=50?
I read h=3 m=5
